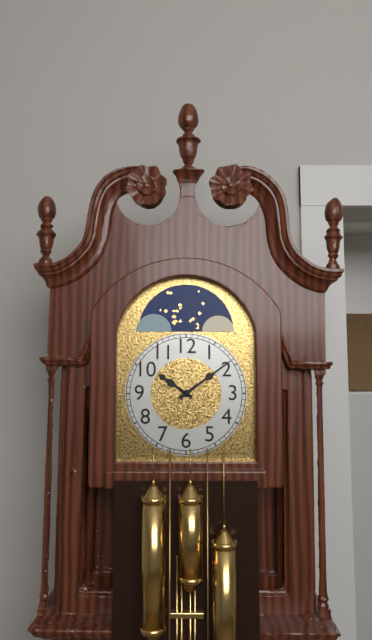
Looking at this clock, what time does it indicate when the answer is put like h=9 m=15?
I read h=10 m=9
